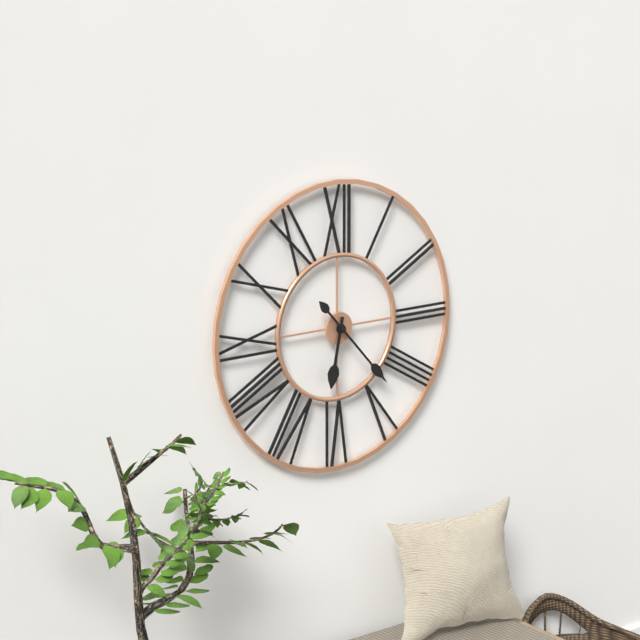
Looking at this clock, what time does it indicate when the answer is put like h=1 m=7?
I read h=6 m=23
